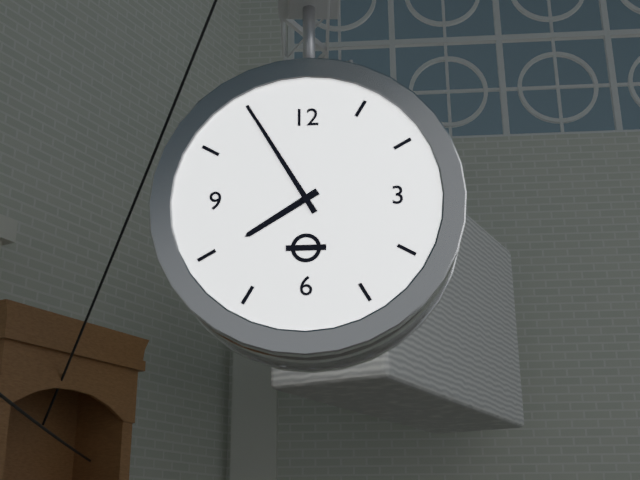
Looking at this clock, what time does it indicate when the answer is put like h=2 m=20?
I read h=7 m=55
